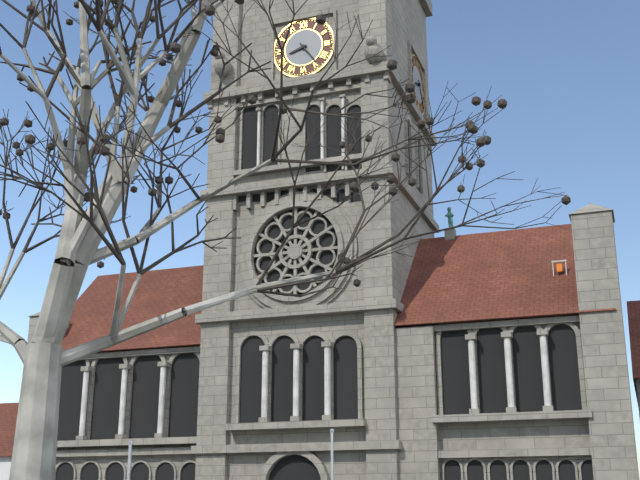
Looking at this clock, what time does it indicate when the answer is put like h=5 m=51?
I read h=8 m=24
